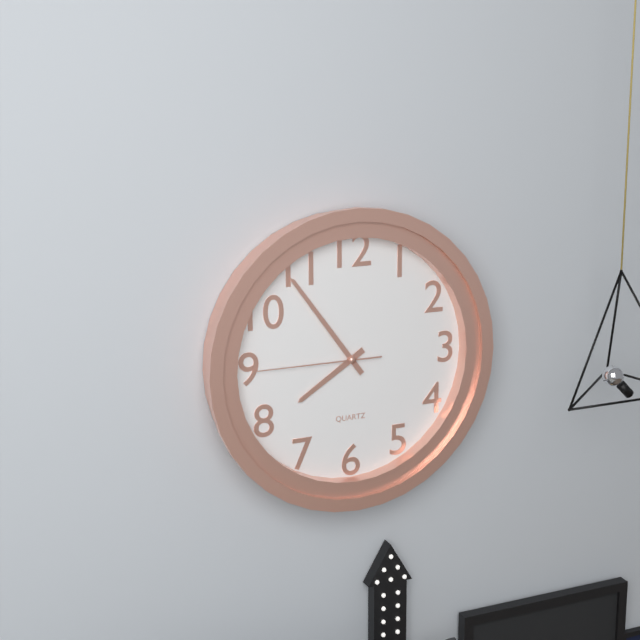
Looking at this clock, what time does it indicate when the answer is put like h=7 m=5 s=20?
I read h=7 m=54 s=45
